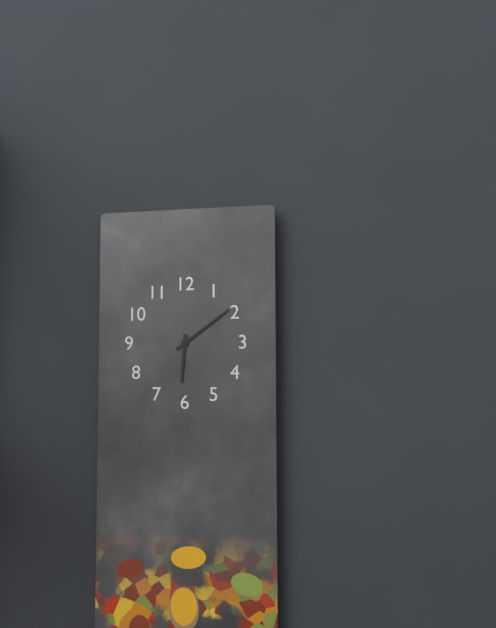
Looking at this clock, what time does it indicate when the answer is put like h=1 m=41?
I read h=6 m=9
